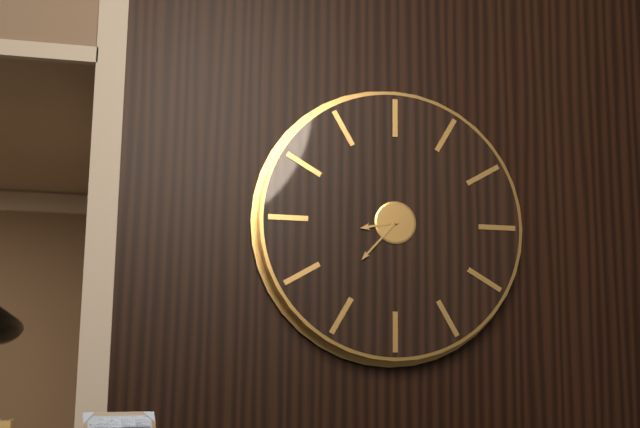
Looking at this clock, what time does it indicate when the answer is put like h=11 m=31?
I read h=8 m=37
